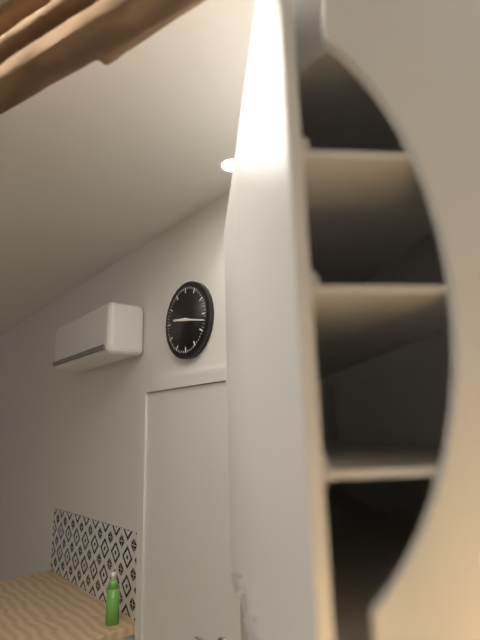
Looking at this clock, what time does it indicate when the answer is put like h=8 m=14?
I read h=9 m=17
